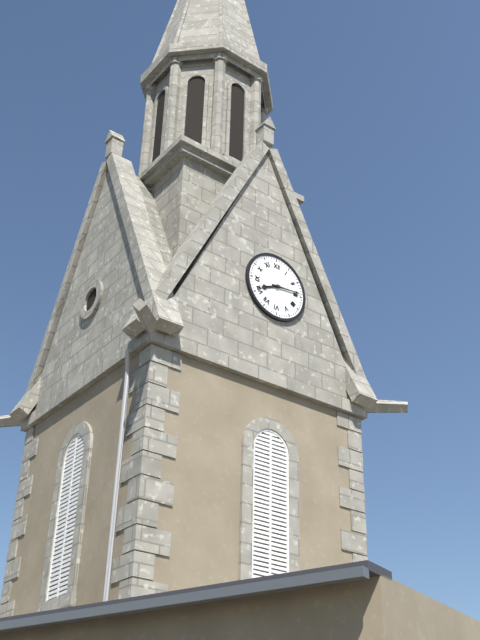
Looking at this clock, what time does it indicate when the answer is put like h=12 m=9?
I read h=8 m=14
